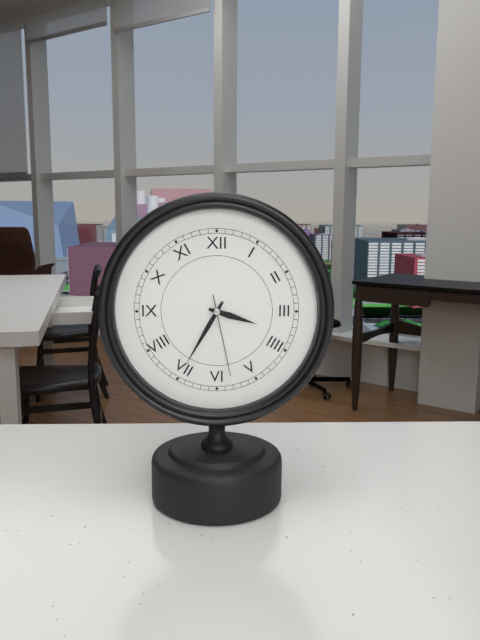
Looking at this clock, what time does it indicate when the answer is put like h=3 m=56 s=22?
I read h=3 m=35 s=28
